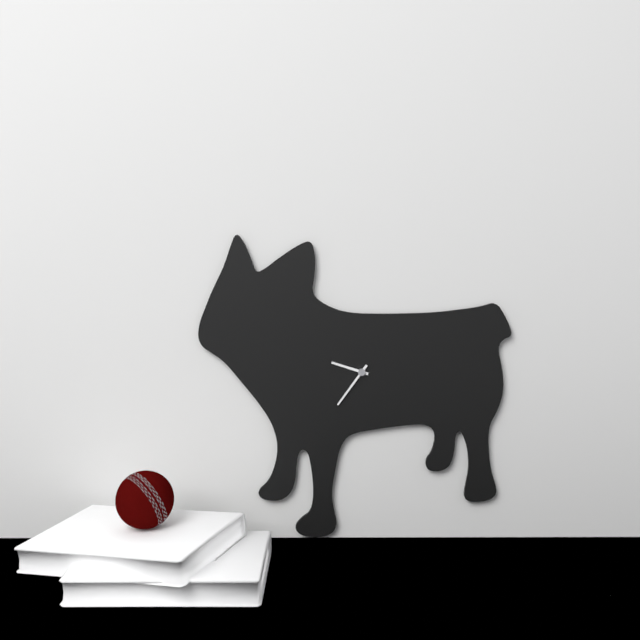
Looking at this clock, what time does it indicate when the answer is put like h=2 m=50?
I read h=9 m=36
